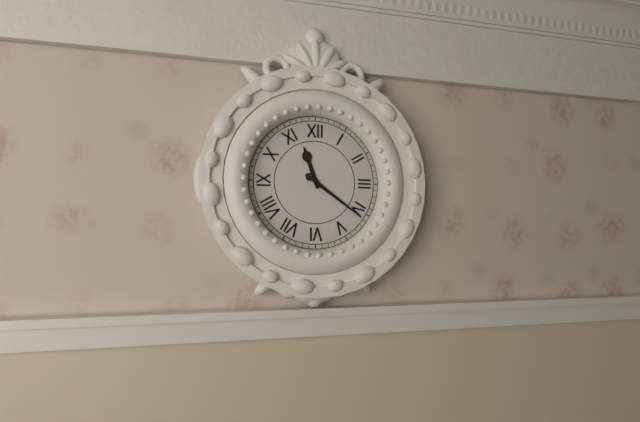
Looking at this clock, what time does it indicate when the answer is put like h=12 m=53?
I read h=11 m=21
